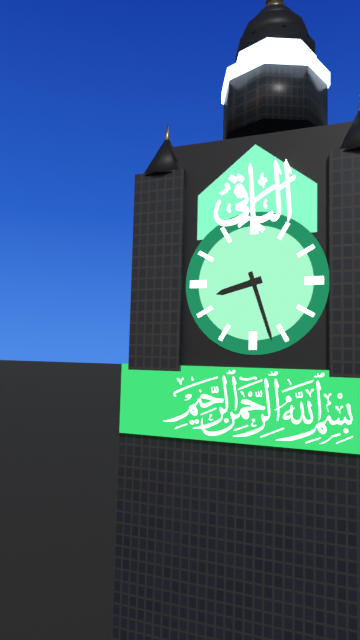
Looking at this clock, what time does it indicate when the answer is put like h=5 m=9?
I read h=8 m=27
